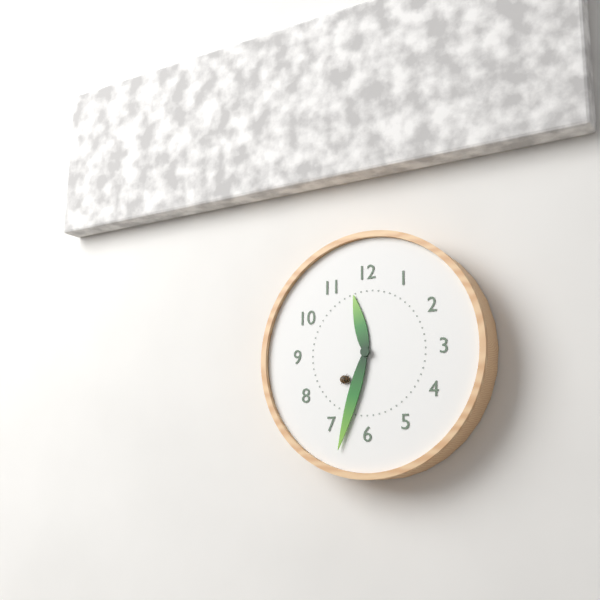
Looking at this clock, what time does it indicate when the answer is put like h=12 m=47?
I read h=11 m=33
